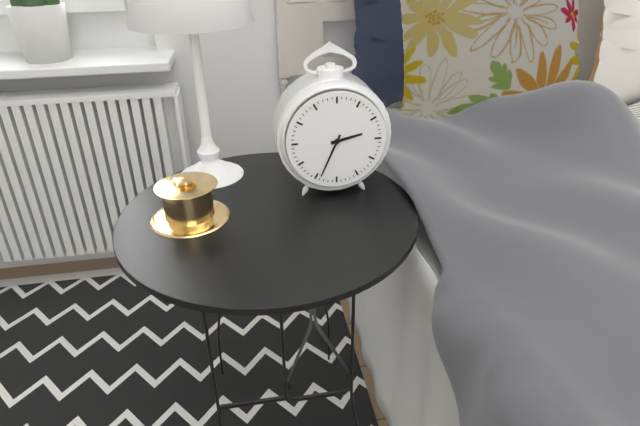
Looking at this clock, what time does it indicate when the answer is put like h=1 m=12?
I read h=2 m=34
